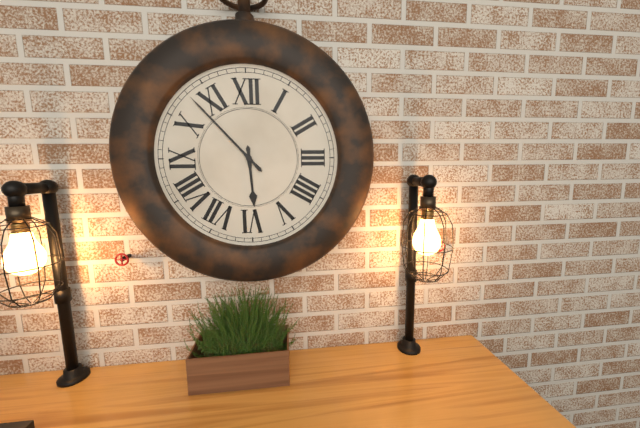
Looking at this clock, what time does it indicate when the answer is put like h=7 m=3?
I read h=5 m=53
